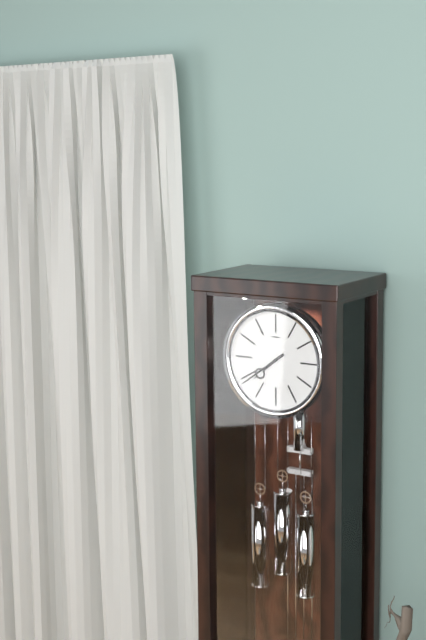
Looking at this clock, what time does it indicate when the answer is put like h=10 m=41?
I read h=7 m=39
